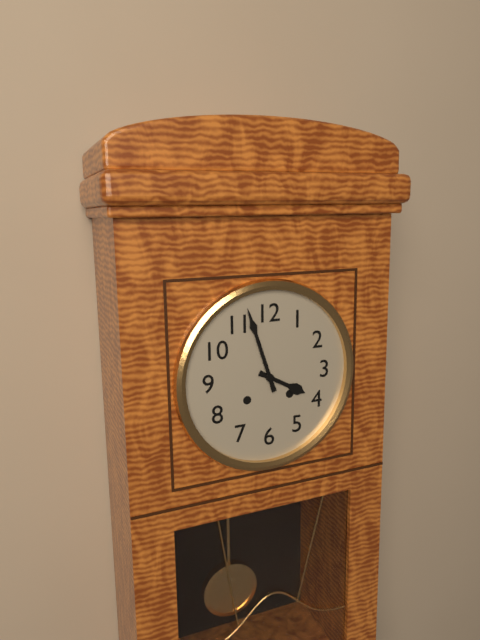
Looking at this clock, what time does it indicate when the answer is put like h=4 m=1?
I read h=3 m=57
